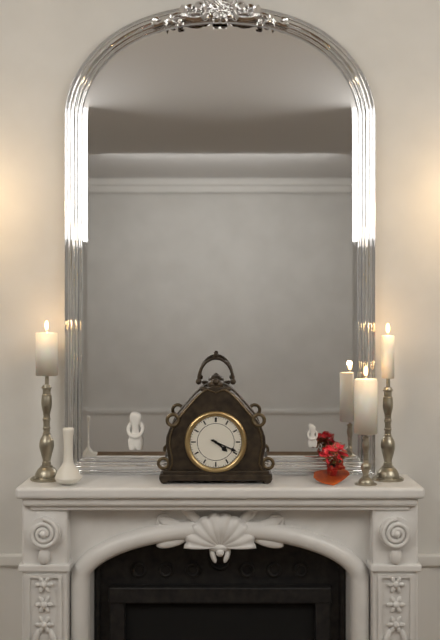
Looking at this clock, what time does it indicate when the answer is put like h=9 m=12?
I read h=4 m=19
